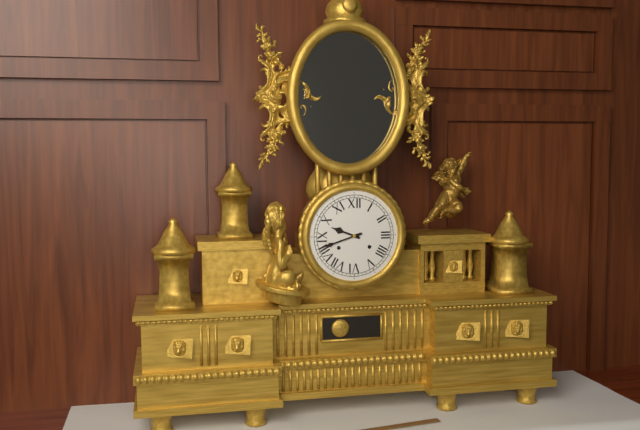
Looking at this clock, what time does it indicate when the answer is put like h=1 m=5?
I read h=9 m=42
